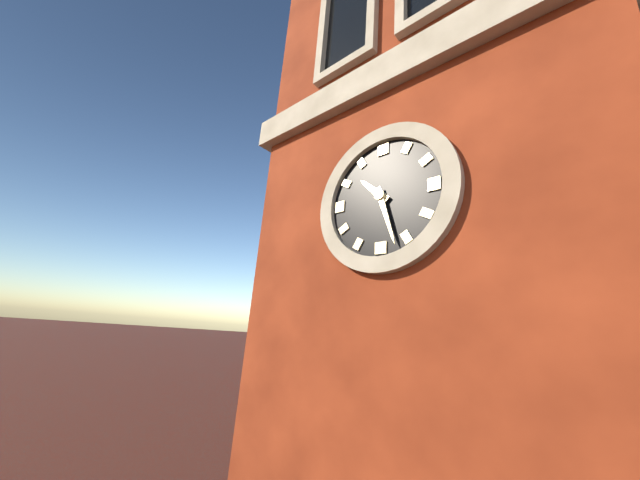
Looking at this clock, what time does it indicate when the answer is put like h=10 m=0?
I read h=10 m=27
